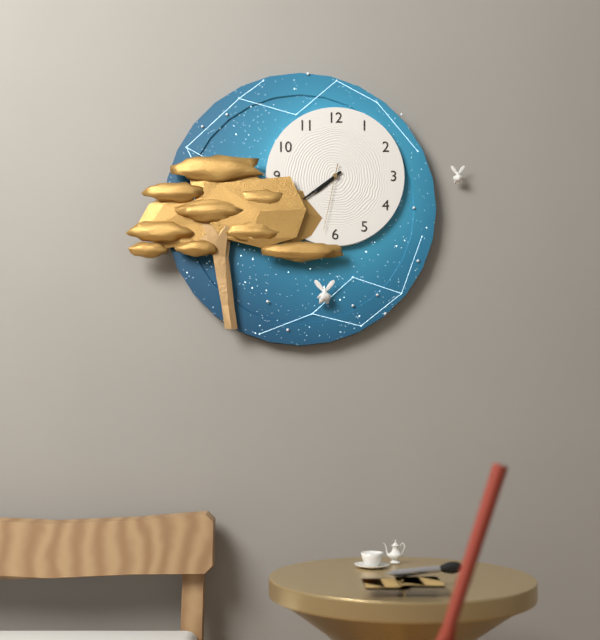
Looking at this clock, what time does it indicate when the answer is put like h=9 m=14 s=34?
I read h=7 m=39 s=32
